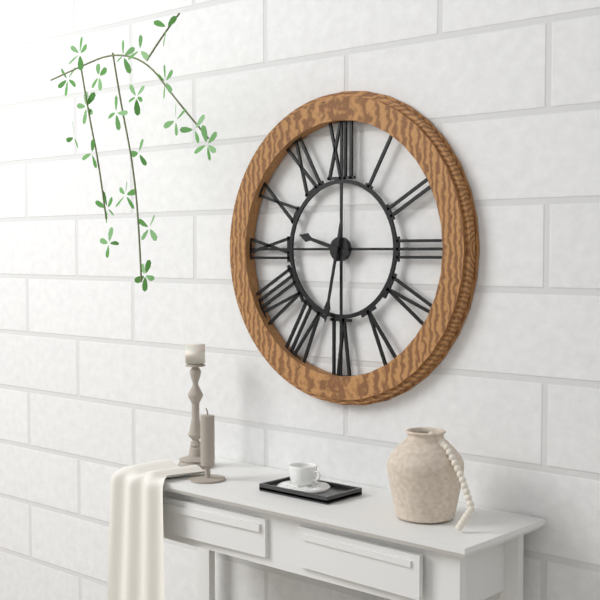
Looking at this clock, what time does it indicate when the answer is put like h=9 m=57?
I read h=9 m=32
